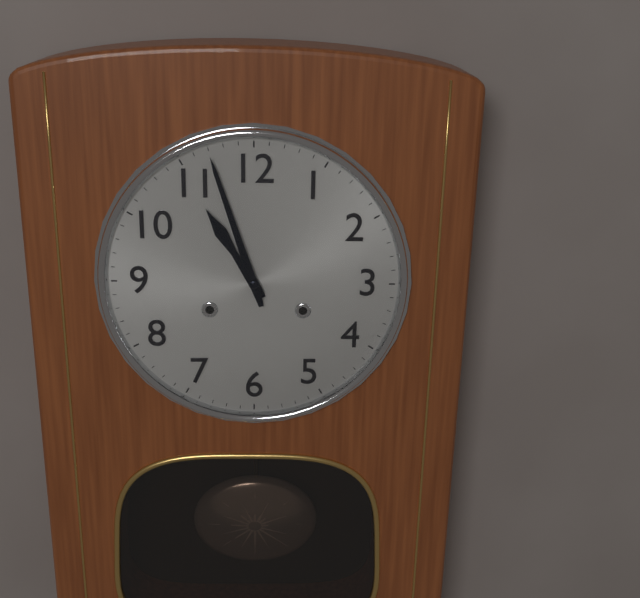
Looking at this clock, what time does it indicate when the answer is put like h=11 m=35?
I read h=10 m=57
